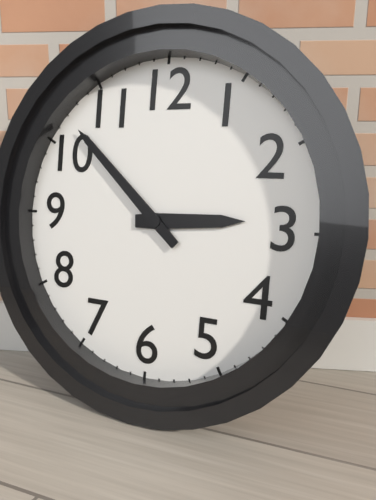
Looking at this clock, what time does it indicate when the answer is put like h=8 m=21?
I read h=2 m=52
